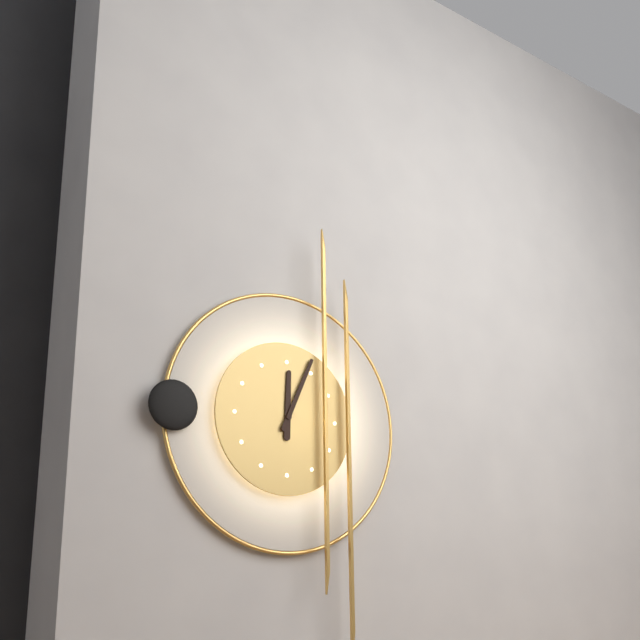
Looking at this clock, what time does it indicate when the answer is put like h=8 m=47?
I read h=12 m=4
